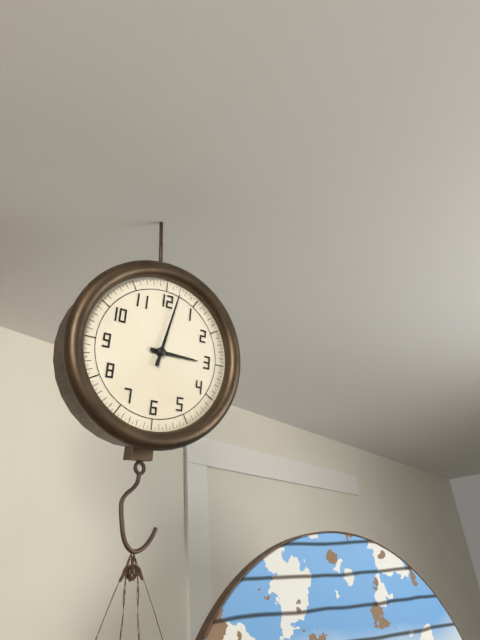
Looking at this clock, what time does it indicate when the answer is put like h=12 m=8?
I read h=3 m=2
